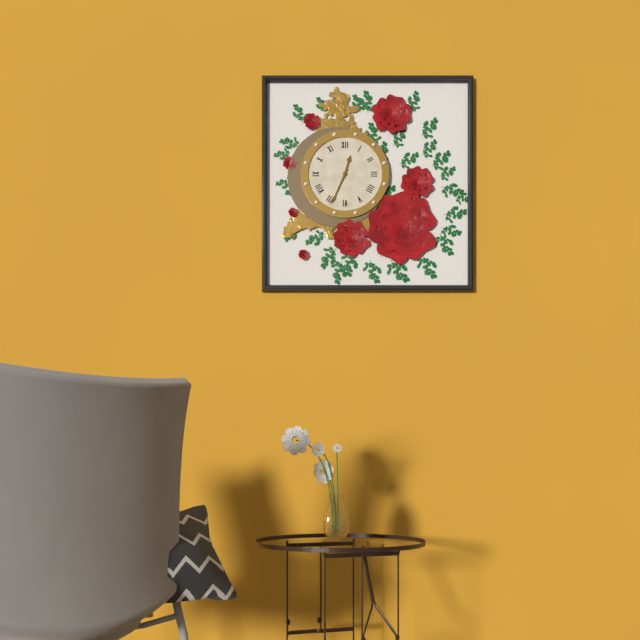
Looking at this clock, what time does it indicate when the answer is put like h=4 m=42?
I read h=12 m=34
